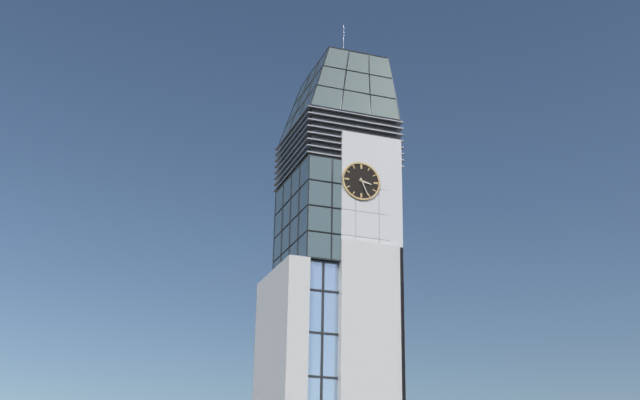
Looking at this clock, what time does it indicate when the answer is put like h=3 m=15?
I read h=3 m=26
